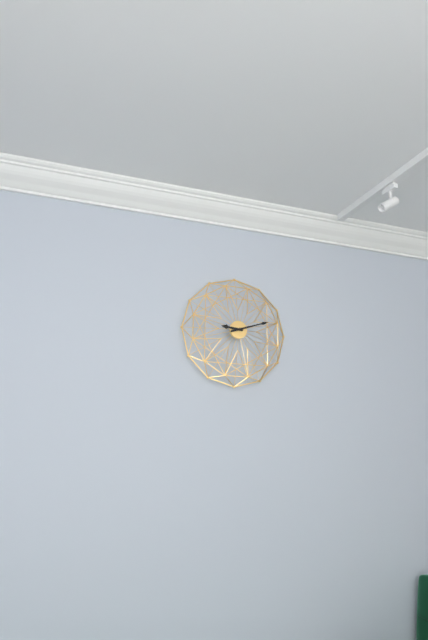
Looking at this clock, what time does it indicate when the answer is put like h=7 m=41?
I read h=9 m=12
